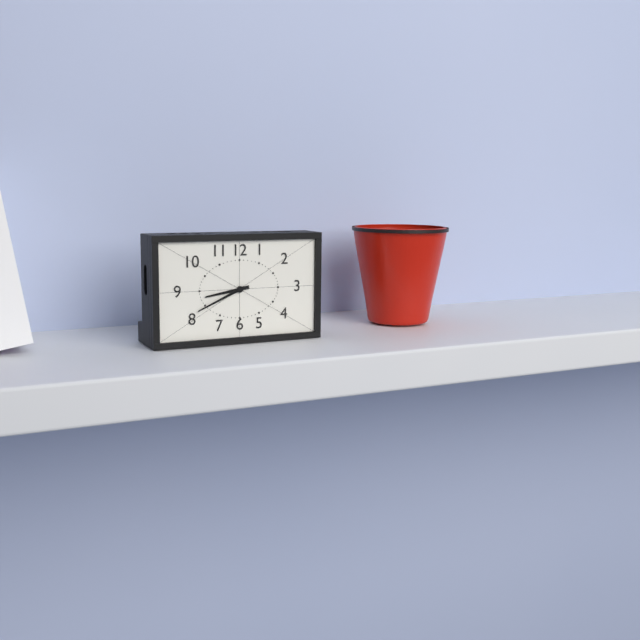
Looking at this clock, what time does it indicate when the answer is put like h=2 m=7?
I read h=8 m=41
